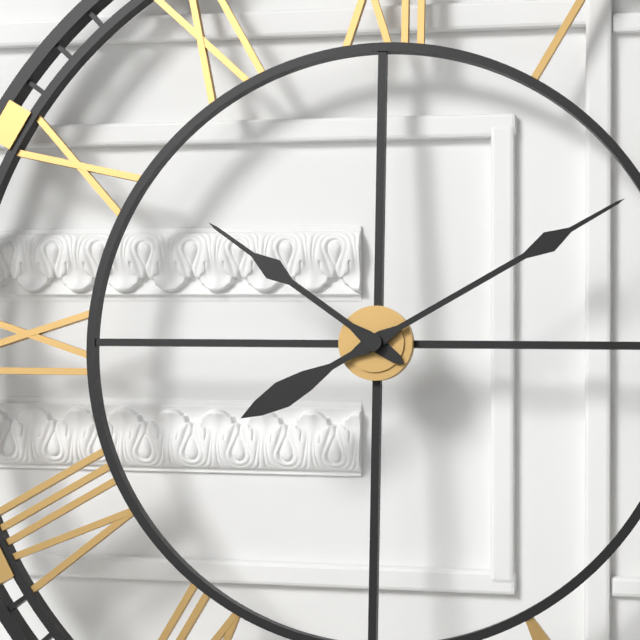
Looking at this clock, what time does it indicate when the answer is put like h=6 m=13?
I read h=10 m=10
